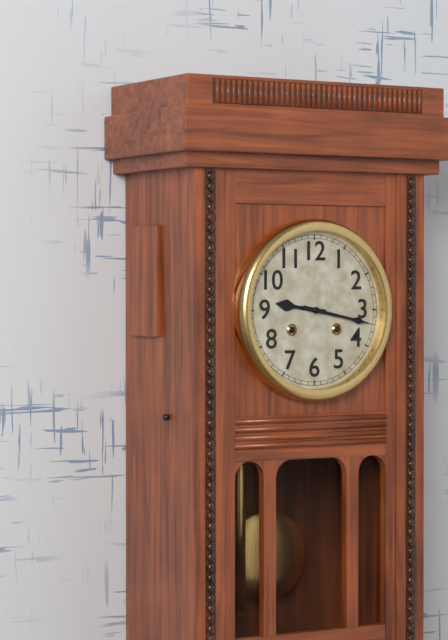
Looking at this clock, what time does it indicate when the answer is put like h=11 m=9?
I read h=9 m=17
